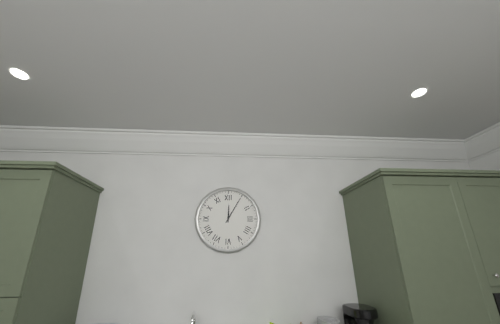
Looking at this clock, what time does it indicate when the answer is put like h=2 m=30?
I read h=12 m=5
